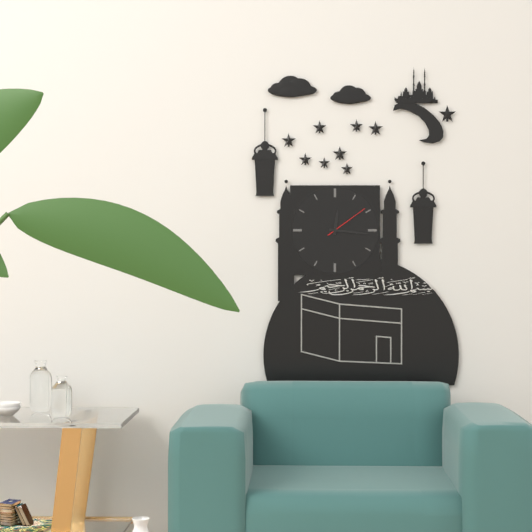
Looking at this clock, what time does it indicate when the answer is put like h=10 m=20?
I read h=12 m=16
